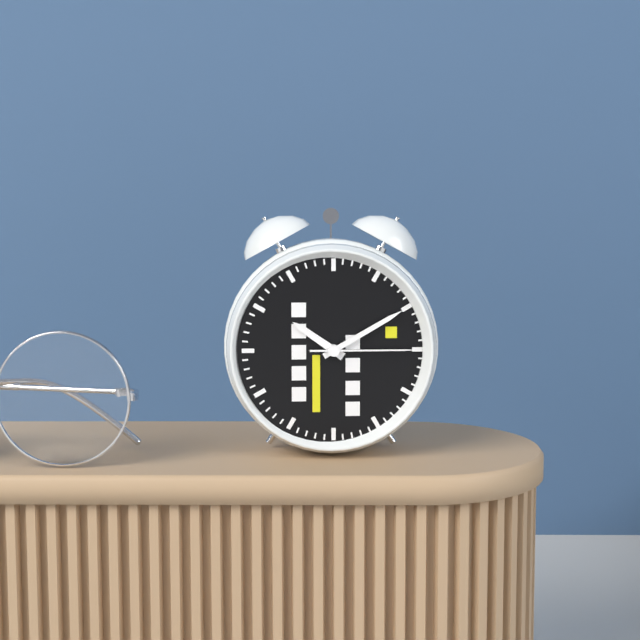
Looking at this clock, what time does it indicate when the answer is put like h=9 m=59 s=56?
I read h=10 m=10 s=15
